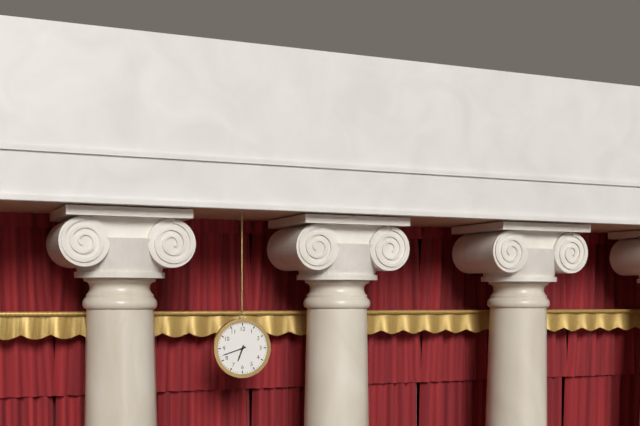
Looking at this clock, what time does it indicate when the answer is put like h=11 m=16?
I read h=6 m=42
